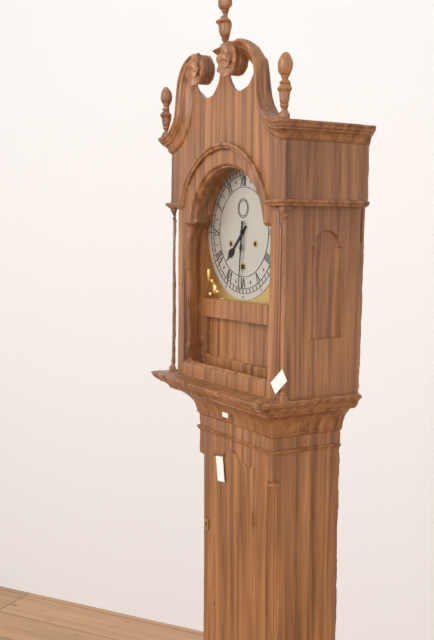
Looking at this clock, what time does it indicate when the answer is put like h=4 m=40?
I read h=7 m=31
